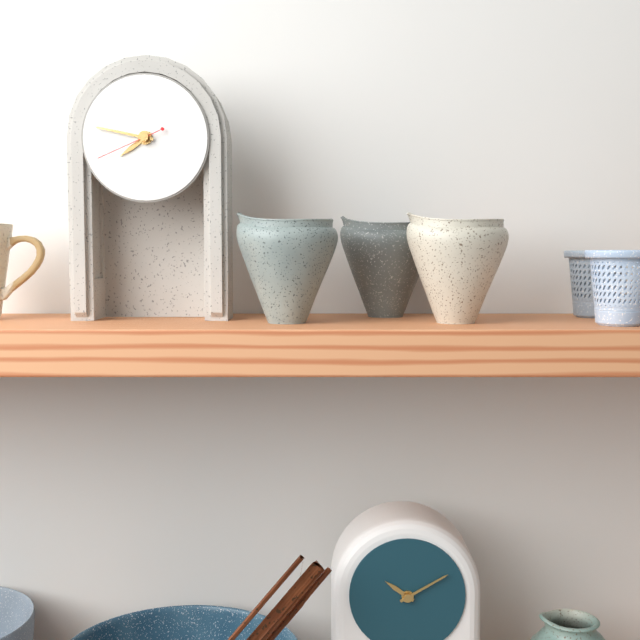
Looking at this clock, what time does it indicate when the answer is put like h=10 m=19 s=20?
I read h=7 m=47 s=41
